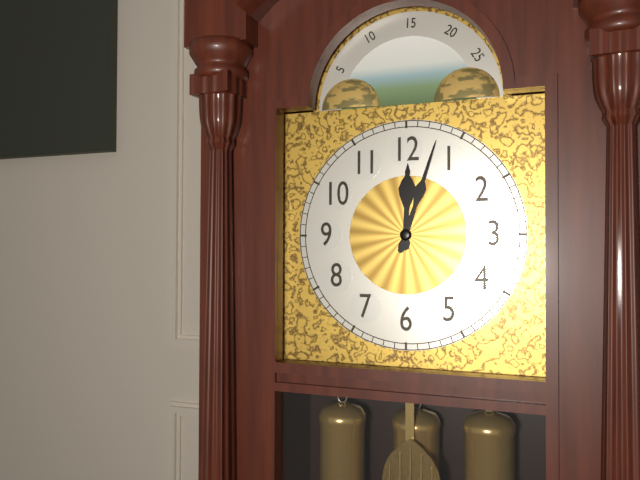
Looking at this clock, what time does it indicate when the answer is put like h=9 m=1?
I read h=12 m=3
